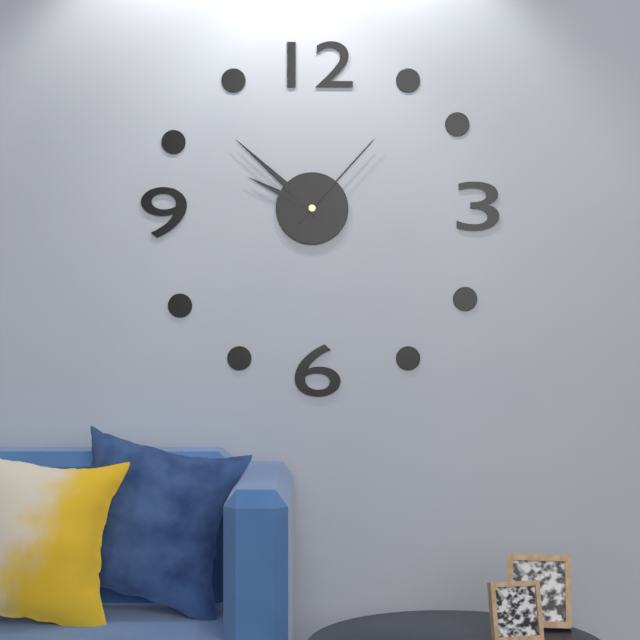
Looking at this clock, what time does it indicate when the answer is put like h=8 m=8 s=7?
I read h=9 m=52 s=7
